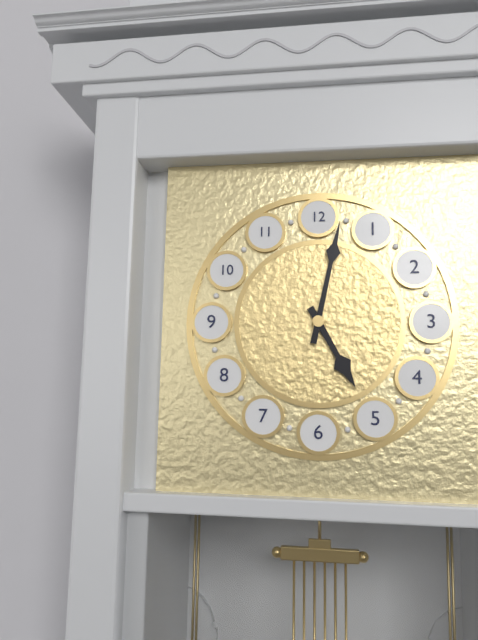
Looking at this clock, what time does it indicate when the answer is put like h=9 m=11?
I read h=5 m=2
